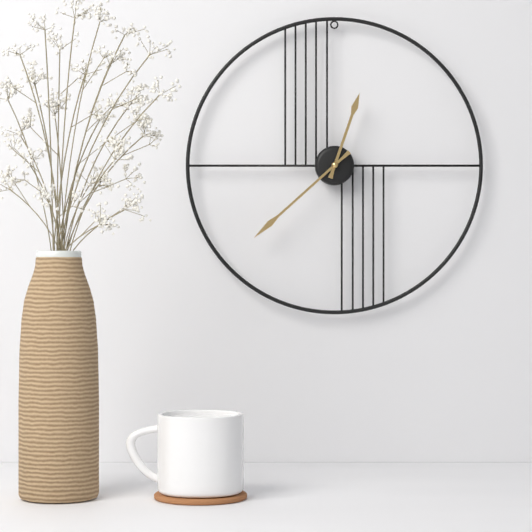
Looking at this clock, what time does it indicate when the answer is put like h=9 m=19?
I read h=12 m=38
